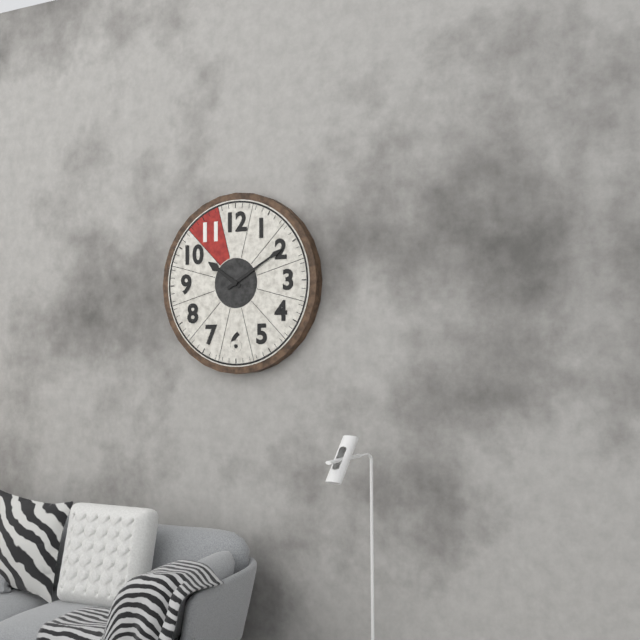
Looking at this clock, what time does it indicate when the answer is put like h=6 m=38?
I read h=10 m=10
